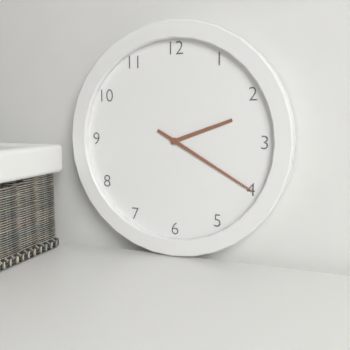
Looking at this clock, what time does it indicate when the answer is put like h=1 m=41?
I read h=2 m=20
